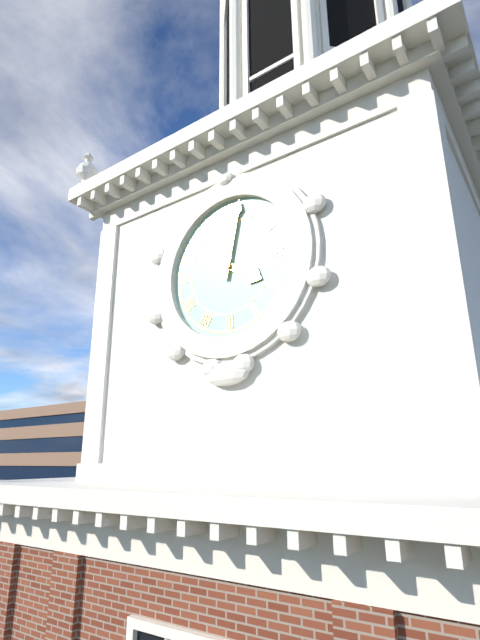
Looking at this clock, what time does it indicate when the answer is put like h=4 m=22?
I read h=4 m=2
